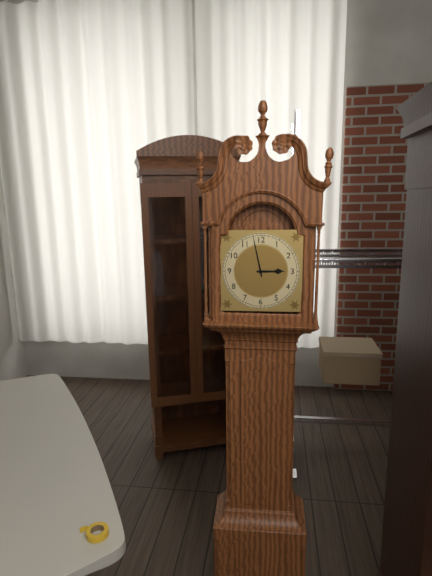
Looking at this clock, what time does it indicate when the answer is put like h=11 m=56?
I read h=2 m=58
